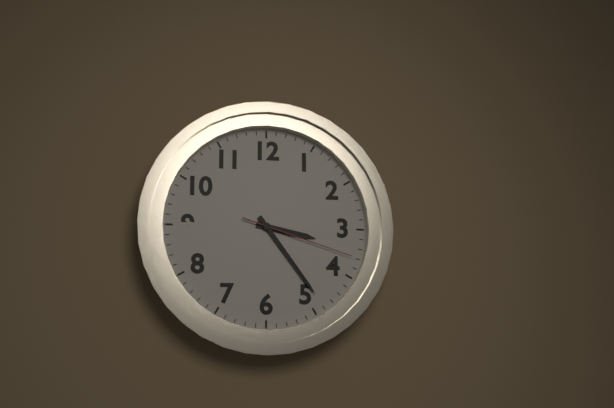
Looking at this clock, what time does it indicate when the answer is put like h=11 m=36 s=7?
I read h=3 m=24 s=18
